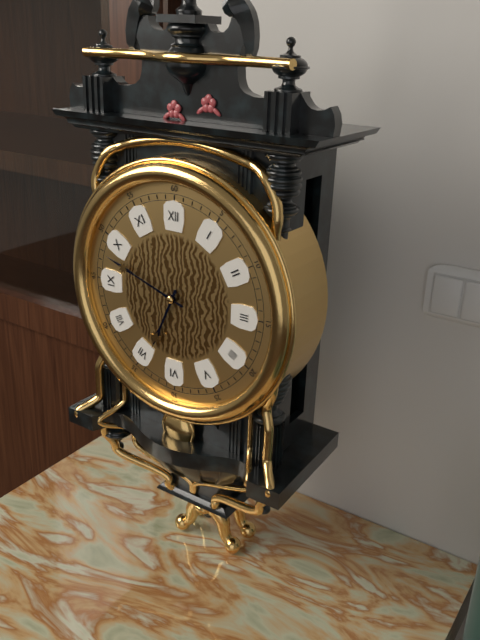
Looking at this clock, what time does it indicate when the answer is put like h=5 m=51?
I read h=6 m=48
